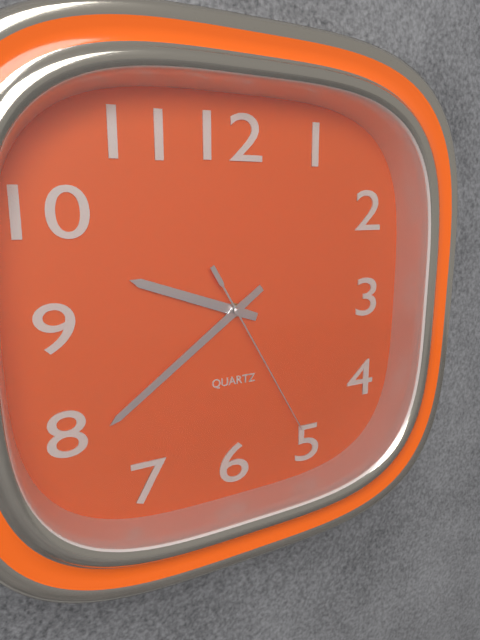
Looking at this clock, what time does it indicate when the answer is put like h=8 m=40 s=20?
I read h=9 m=39 s=25
